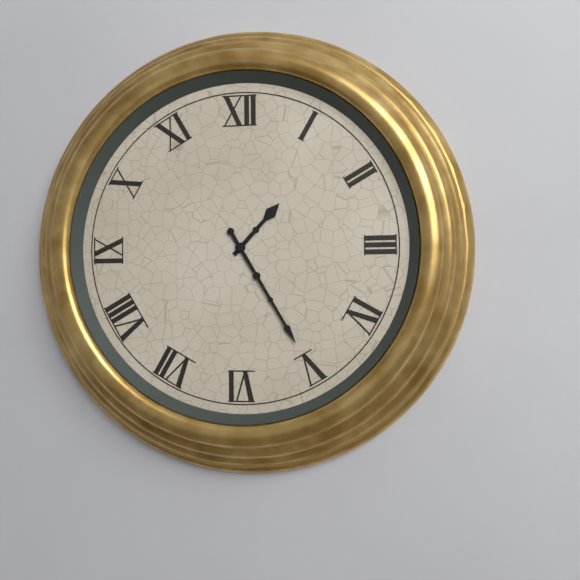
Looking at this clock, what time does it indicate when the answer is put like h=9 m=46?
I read h=1 m=25
